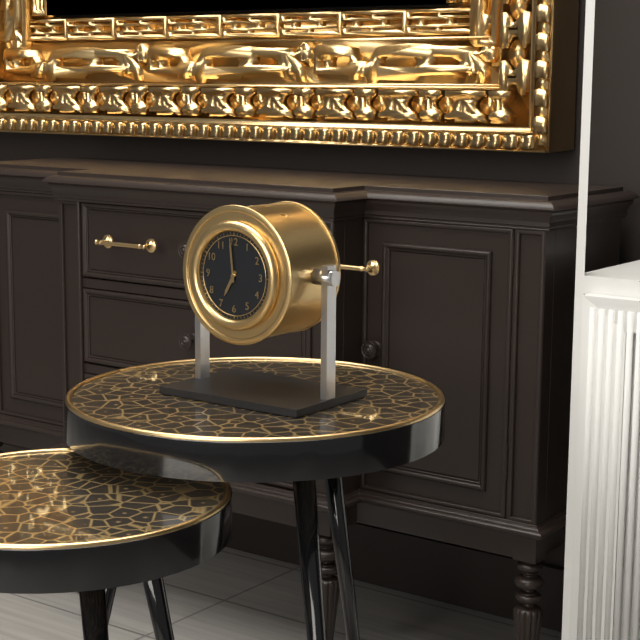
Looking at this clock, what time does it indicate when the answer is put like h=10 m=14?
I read h=6 m=59
